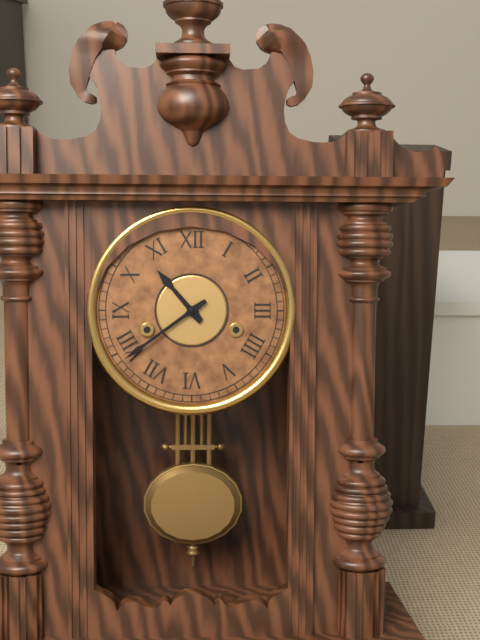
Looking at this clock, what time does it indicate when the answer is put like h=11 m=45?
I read h=10 m=39
